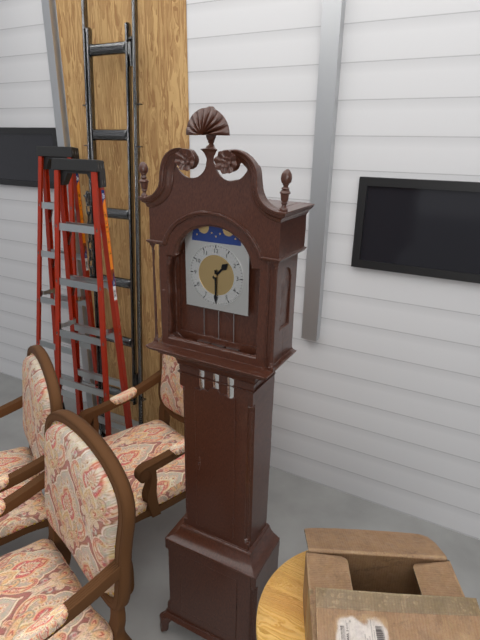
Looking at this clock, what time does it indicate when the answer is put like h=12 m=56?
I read h=1 m=30
